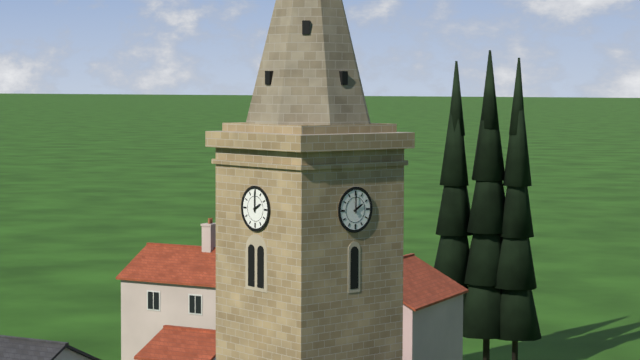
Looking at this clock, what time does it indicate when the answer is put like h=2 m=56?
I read h=2 m=0
